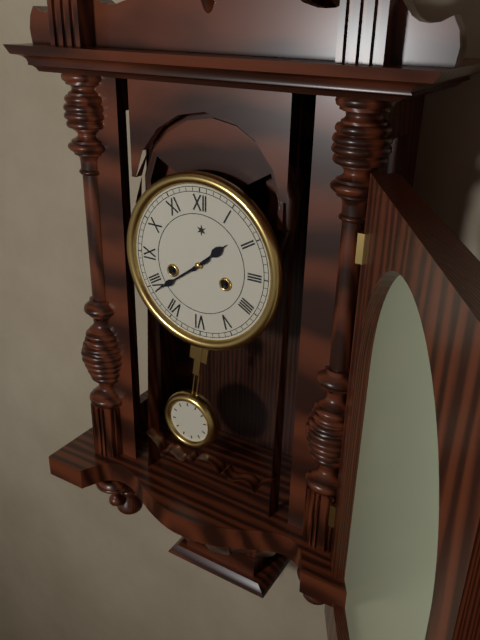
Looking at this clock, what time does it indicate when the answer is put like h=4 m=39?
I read h=1 m=39
